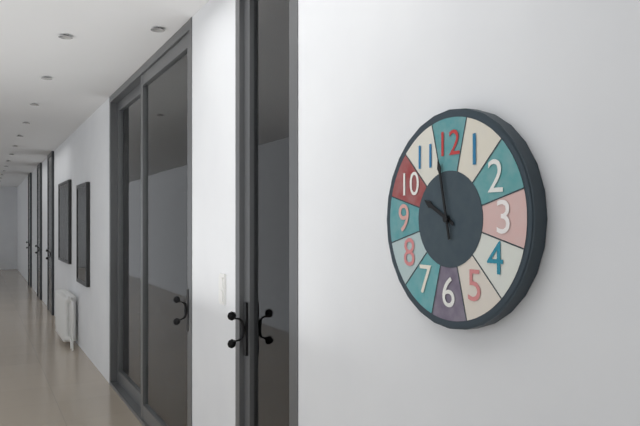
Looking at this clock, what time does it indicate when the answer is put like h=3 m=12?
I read h=9 m=58
